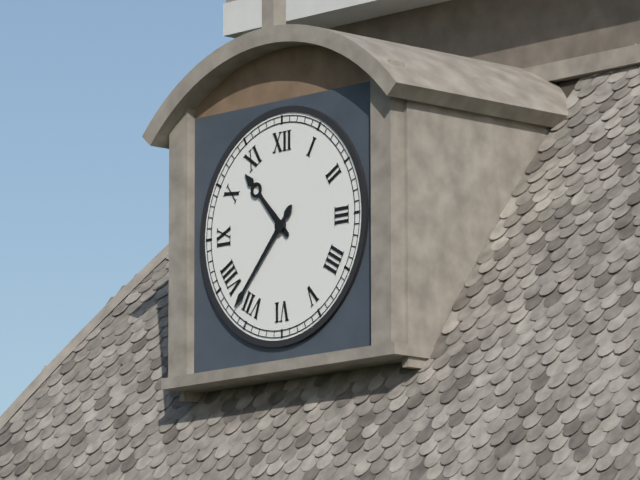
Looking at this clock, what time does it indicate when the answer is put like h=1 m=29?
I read h=10 m=37
